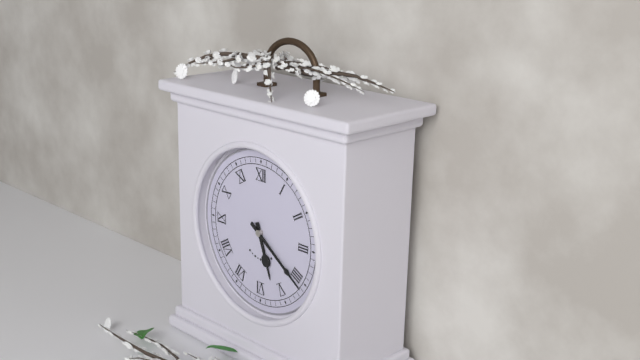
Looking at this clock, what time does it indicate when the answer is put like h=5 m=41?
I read h=5 m=21
